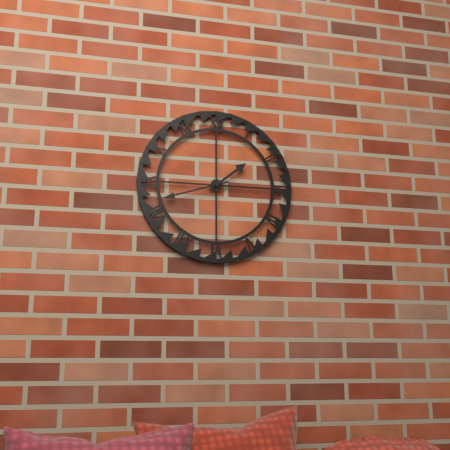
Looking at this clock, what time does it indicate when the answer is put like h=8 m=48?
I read h=1 m=42
